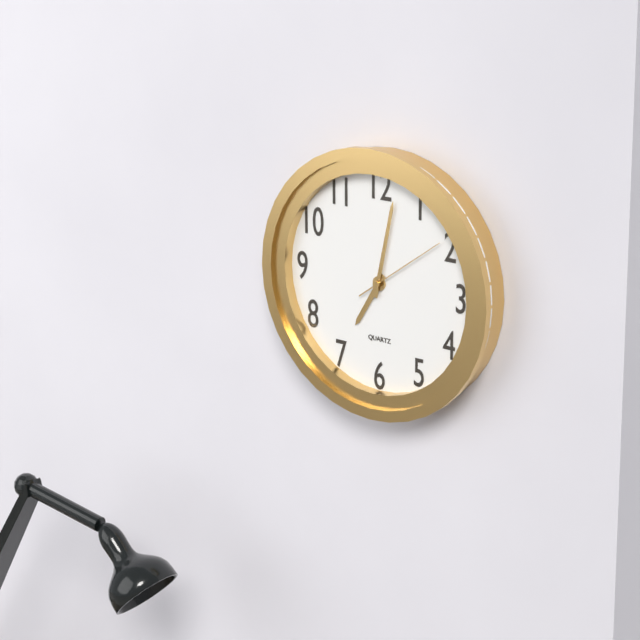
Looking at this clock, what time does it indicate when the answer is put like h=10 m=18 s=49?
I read h=7 m=2 s=9
